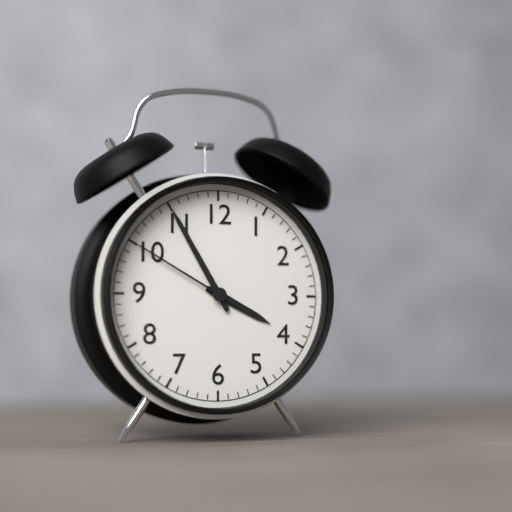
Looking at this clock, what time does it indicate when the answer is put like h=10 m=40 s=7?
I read h=3 m=55 s=50
